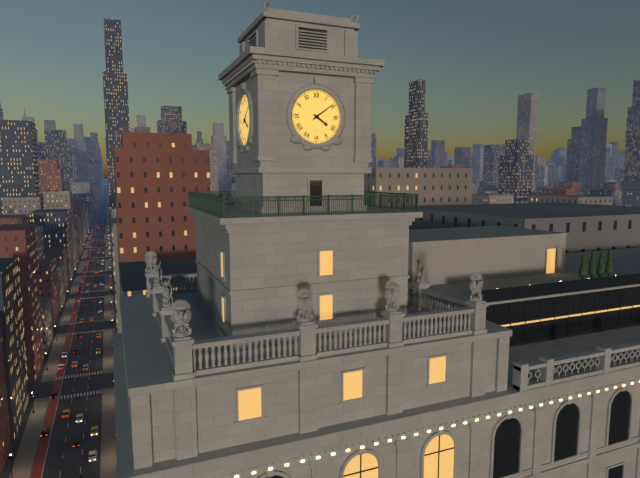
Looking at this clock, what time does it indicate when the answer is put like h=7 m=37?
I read h=4 m=9
